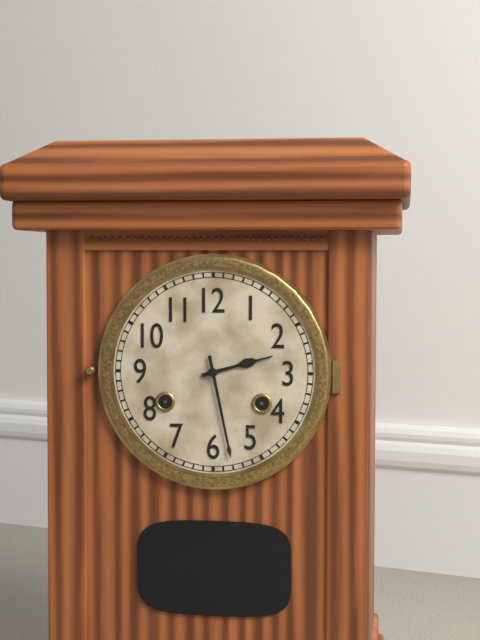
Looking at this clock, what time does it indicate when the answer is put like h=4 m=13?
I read h=2 m=28
